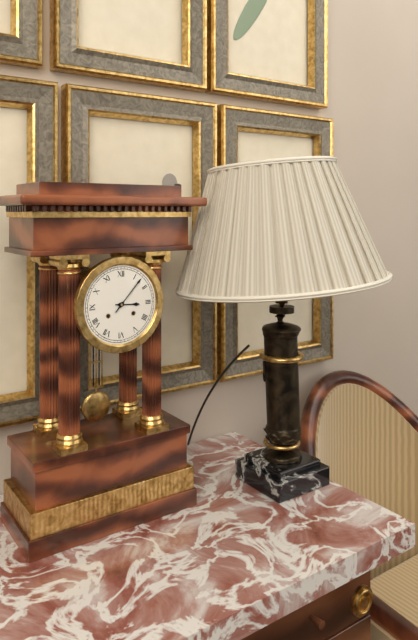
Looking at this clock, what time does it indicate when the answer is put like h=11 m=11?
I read h=3 m=7
